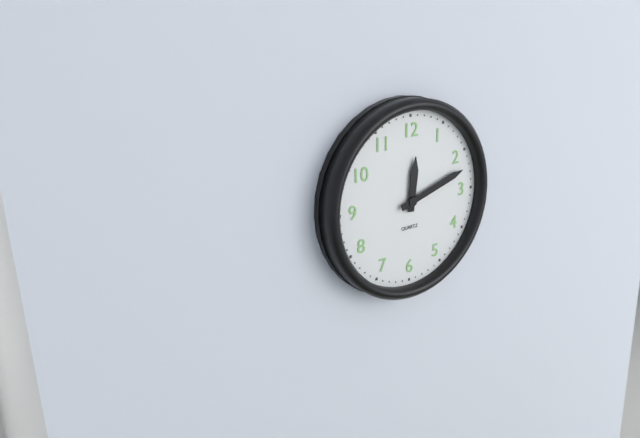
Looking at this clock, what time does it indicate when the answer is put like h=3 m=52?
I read h=12 m=12
